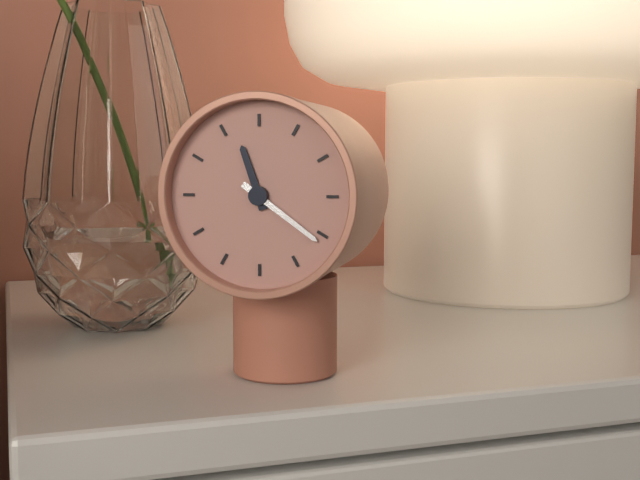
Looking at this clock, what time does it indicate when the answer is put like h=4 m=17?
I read h=11 m=21
